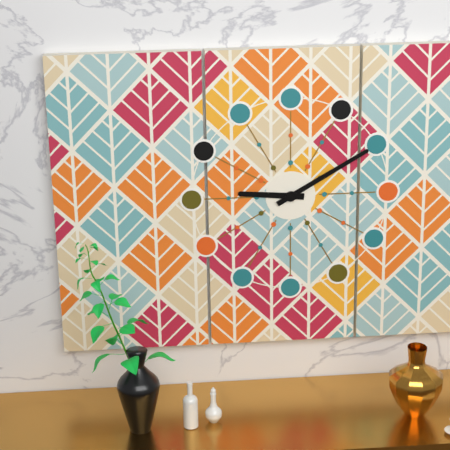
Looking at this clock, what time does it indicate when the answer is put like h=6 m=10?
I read h=9 m=10
